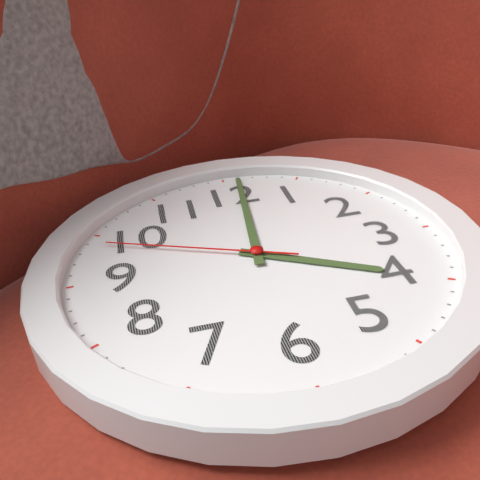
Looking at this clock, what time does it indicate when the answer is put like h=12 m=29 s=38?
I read h=4 m=1 s=49
